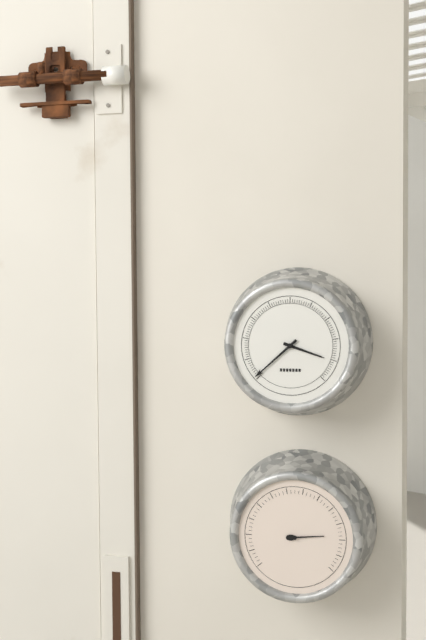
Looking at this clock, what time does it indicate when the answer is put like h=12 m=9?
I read h=3 m=38
